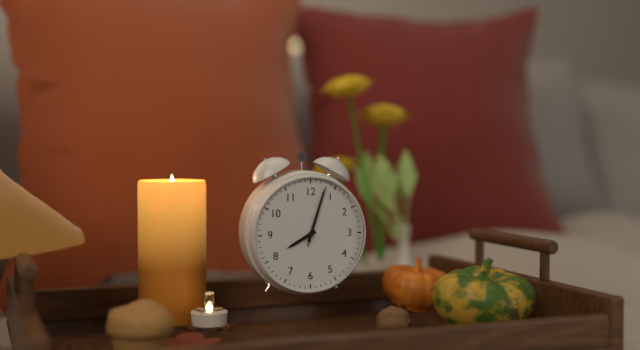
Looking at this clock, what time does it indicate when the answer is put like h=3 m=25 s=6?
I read h=8 m=3 s=3
